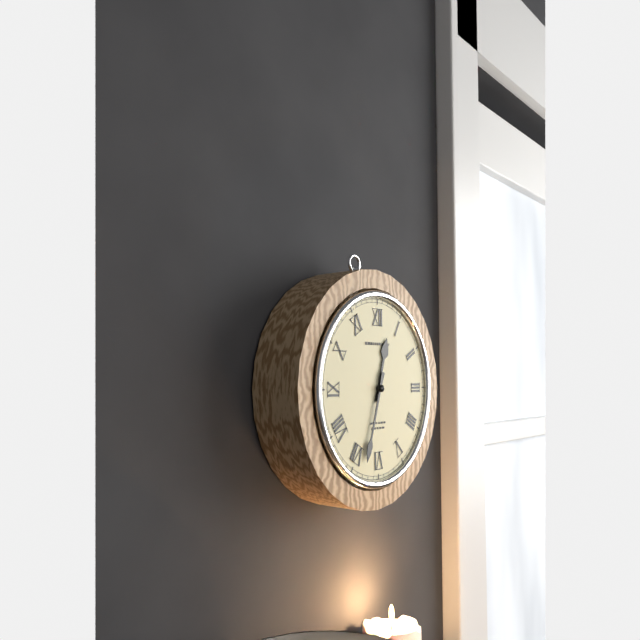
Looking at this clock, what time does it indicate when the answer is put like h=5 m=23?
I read h=12 m=33
